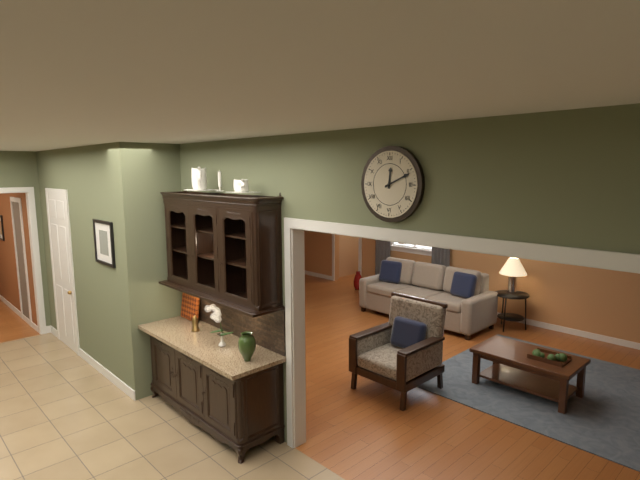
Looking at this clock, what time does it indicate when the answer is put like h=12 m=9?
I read h=12 m=11
